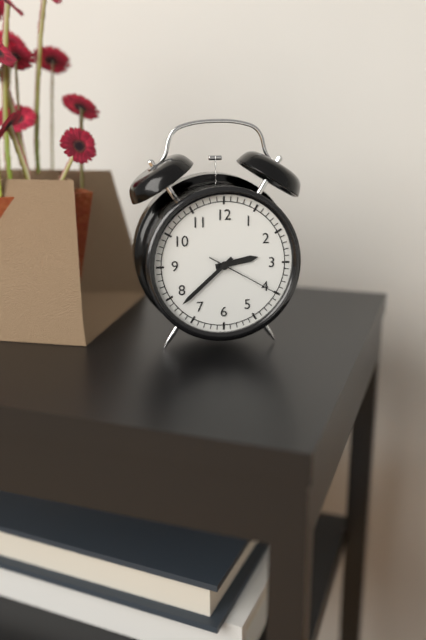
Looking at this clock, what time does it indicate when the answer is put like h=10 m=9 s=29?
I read h=2 m=38 s=20
